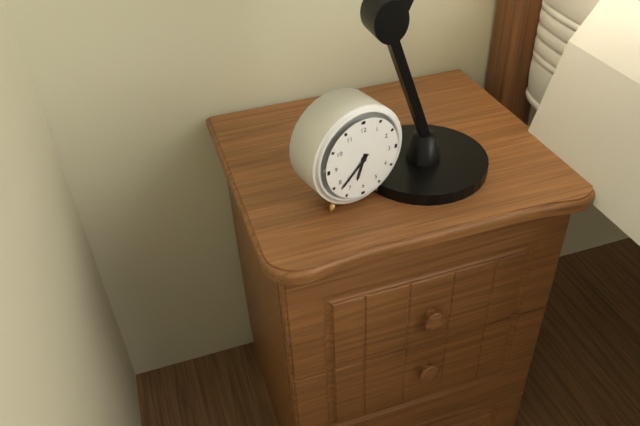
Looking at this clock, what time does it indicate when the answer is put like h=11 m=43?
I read h=6 m=38
